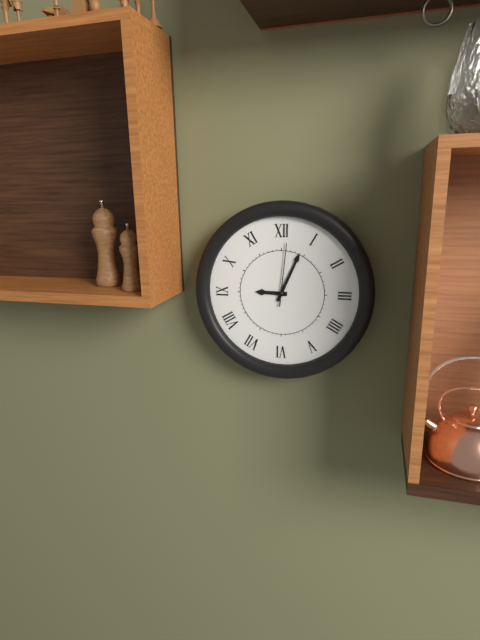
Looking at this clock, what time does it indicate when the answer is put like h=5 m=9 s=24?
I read h=9 m=4 s=1
